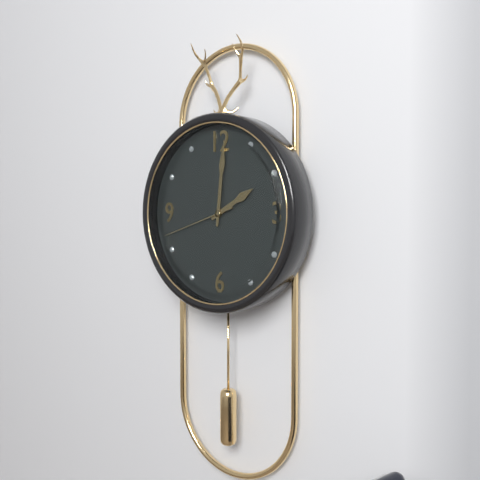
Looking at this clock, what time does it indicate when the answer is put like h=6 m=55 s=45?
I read h=2 m=1 s=42
